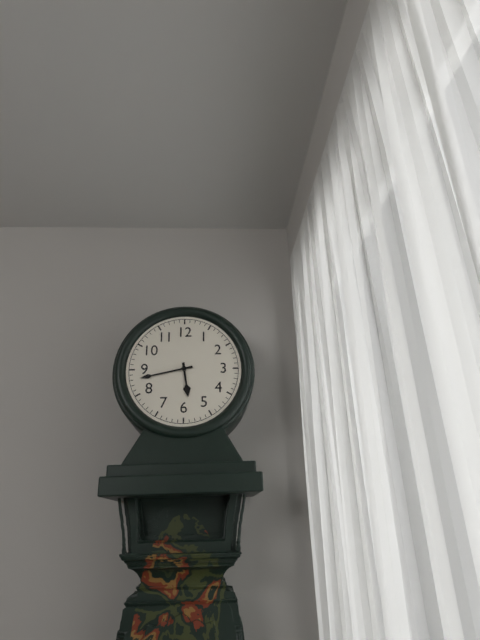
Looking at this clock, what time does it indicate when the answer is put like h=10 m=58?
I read h=5 m=43
